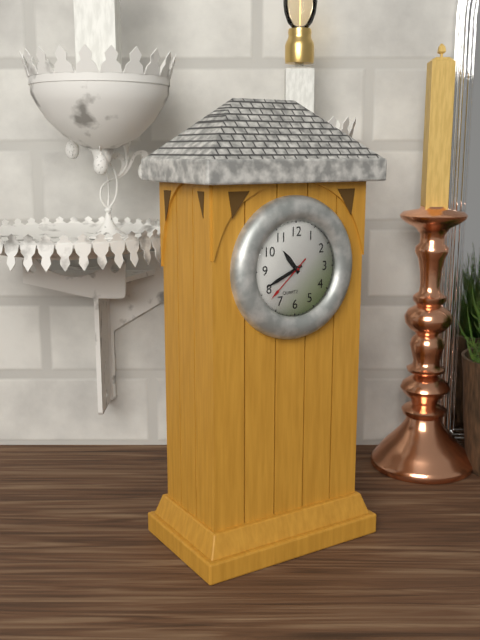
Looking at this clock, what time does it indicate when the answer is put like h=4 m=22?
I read h=10 m=41
